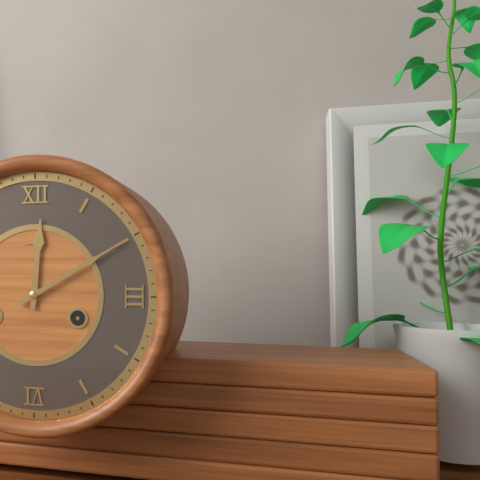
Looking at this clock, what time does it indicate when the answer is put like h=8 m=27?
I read h=12 m=10
